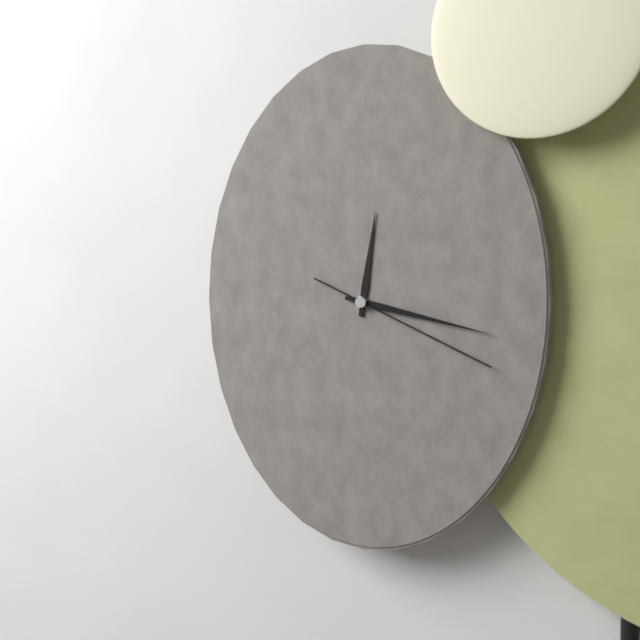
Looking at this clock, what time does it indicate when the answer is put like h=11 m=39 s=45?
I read h=12 m=17 s=19
